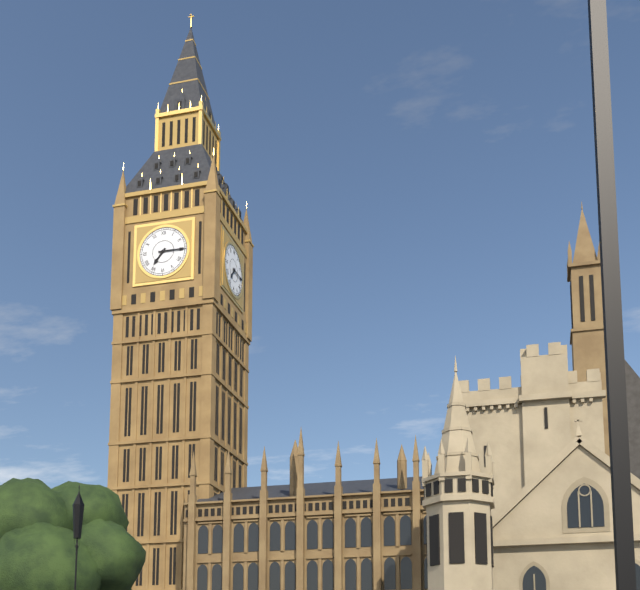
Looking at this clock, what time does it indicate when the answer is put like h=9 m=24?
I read h=7 m=15
